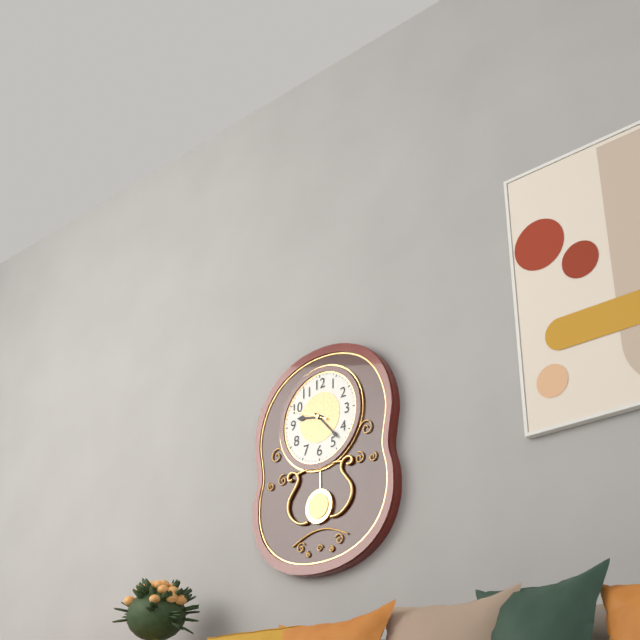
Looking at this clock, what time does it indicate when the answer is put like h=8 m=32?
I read h=9 m=23
